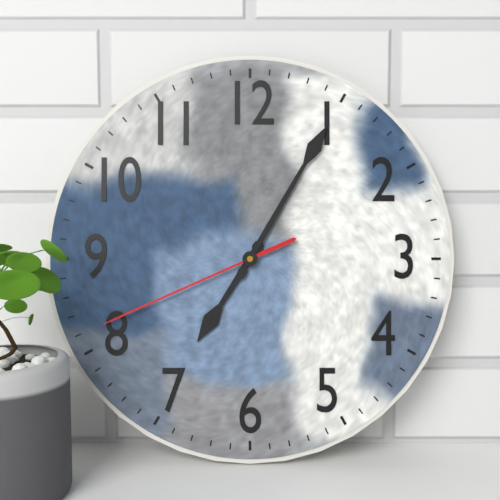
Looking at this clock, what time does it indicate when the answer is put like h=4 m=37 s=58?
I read h=7 m=5 s=41
